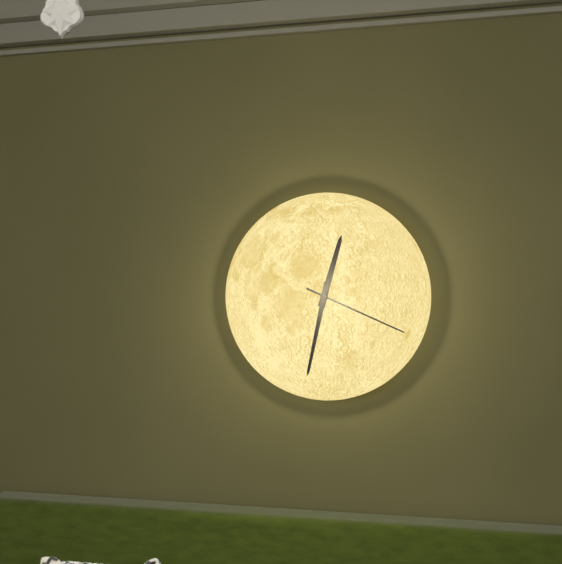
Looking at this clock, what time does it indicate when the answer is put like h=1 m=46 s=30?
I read h=12 m=32 s=19
